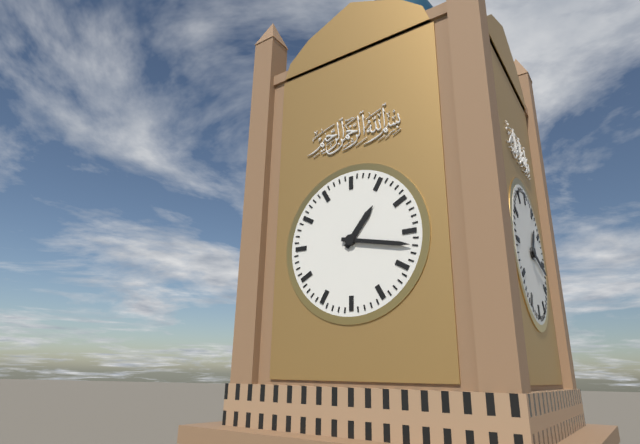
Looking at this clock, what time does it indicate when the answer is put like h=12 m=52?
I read h=1 m=17
